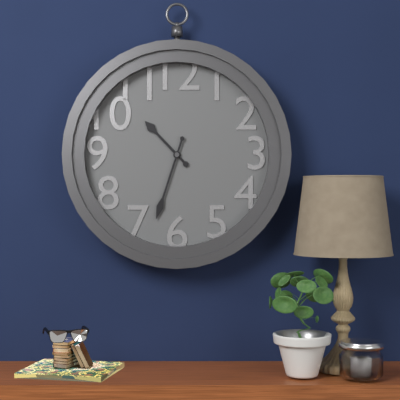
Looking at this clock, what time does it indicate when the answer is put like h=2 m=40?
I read h=10 m=33
